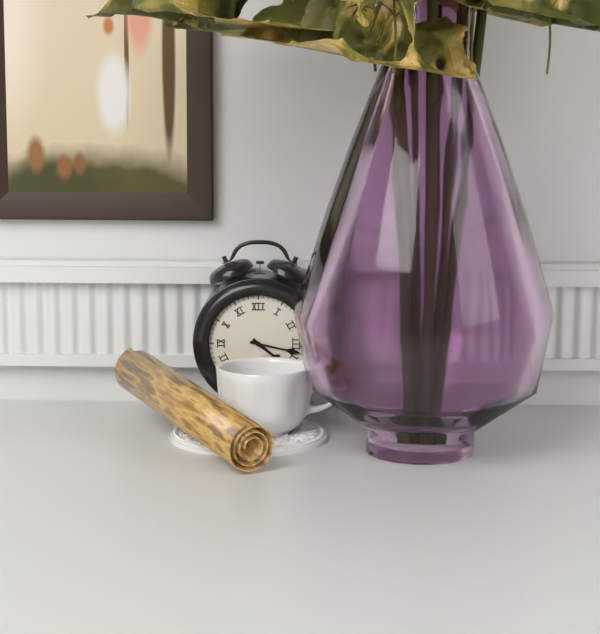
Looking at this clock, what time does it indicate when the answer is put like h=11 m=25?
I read h=4 m=17
